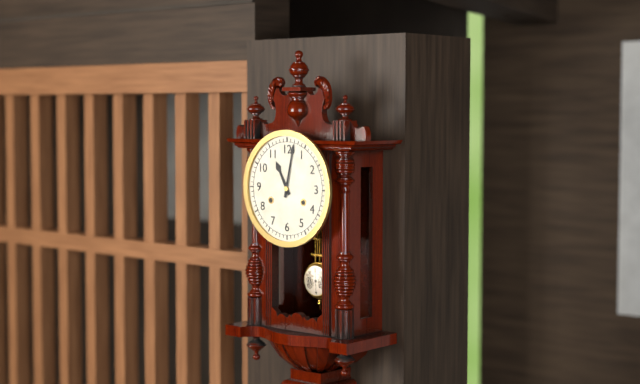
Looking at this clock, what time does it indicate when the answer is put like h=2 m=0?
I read h=11 m=2
